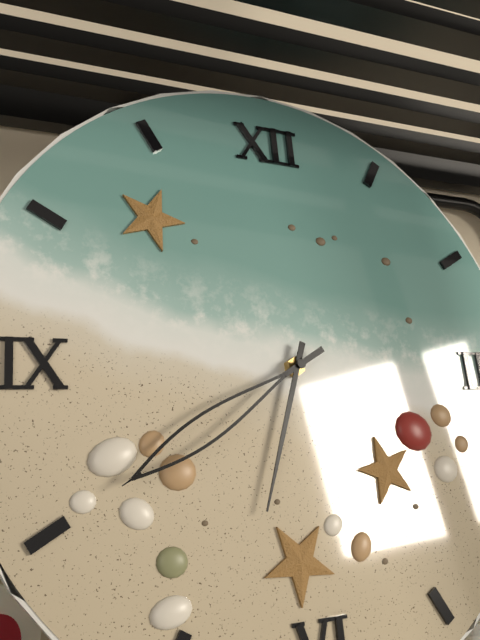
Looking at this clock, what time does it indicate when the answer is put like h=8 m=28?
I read h=6 m=40
